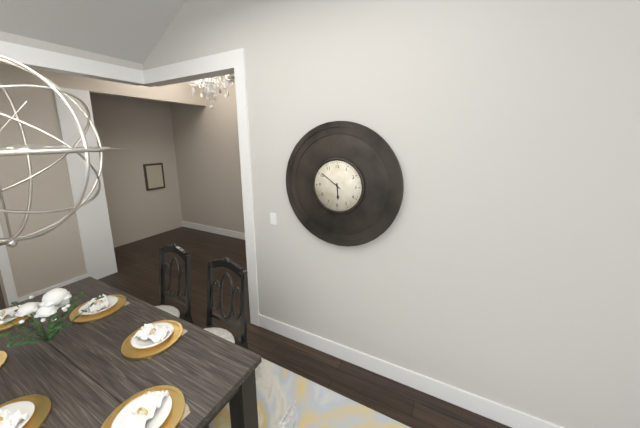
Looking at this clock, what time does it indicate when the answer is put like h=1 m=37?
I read h=5 m=51
